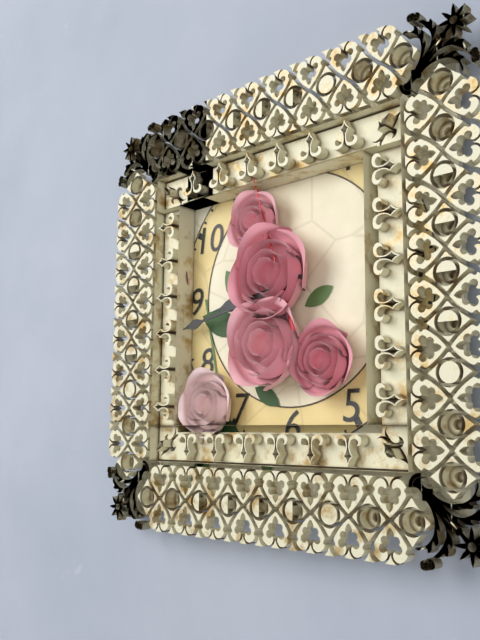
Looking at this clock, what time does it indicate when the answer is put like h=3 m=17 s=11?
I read h=8 m=43 s=57
